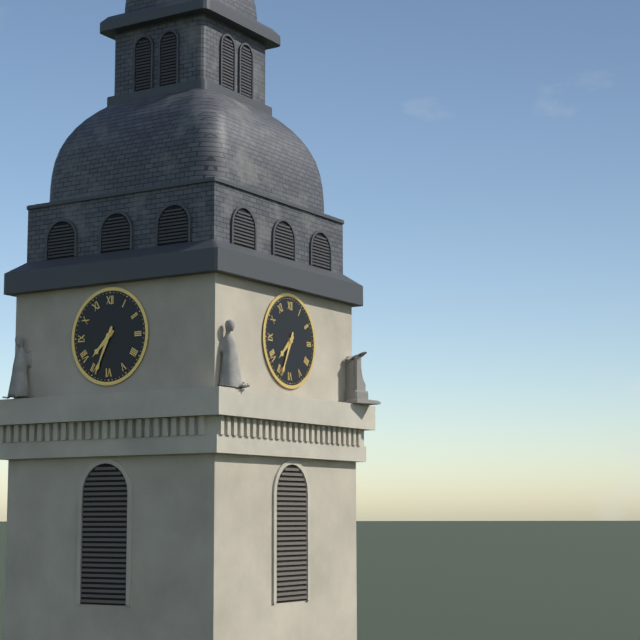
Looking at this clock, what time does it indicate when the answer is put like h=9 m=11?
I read h=7 m=34
